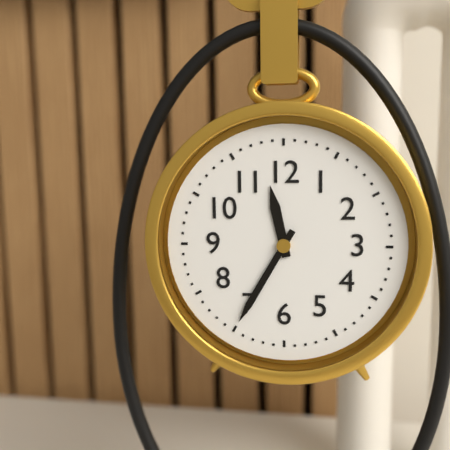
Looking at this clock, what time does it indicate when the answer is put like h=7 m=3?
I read h=11 m=35
